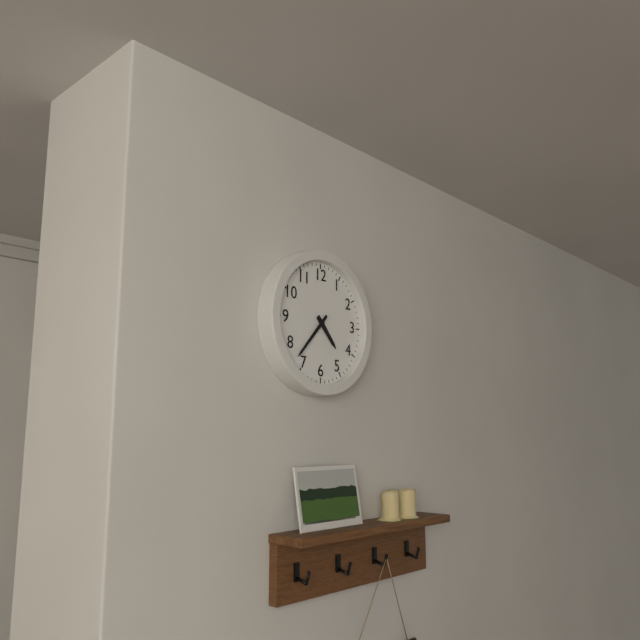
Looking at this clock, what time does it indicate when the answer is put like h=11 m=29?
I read h=4 m=37
